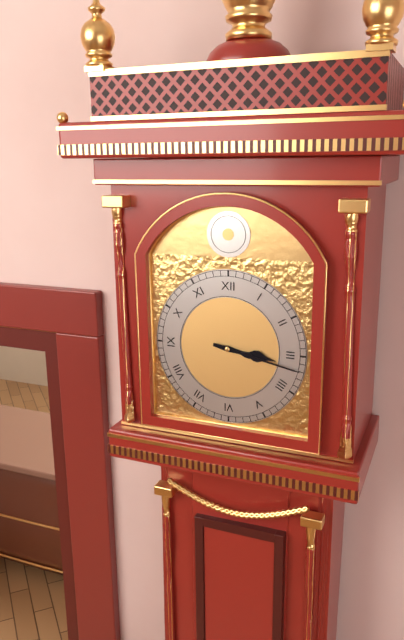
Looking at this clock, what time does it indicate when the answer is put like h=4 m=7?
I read h=3 m=17
